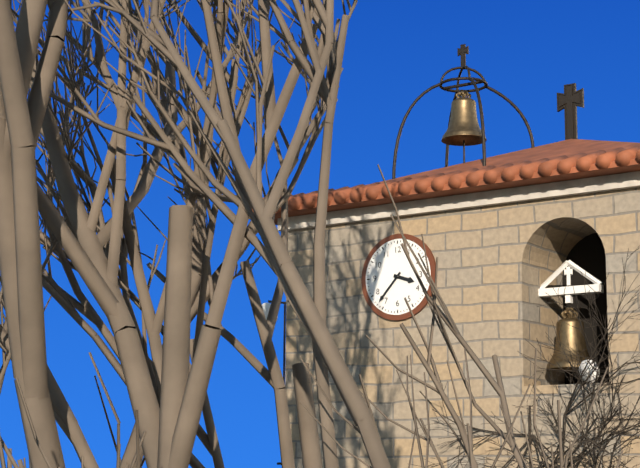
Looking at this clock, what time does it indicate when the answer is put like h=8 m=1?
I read h=3 m=37
